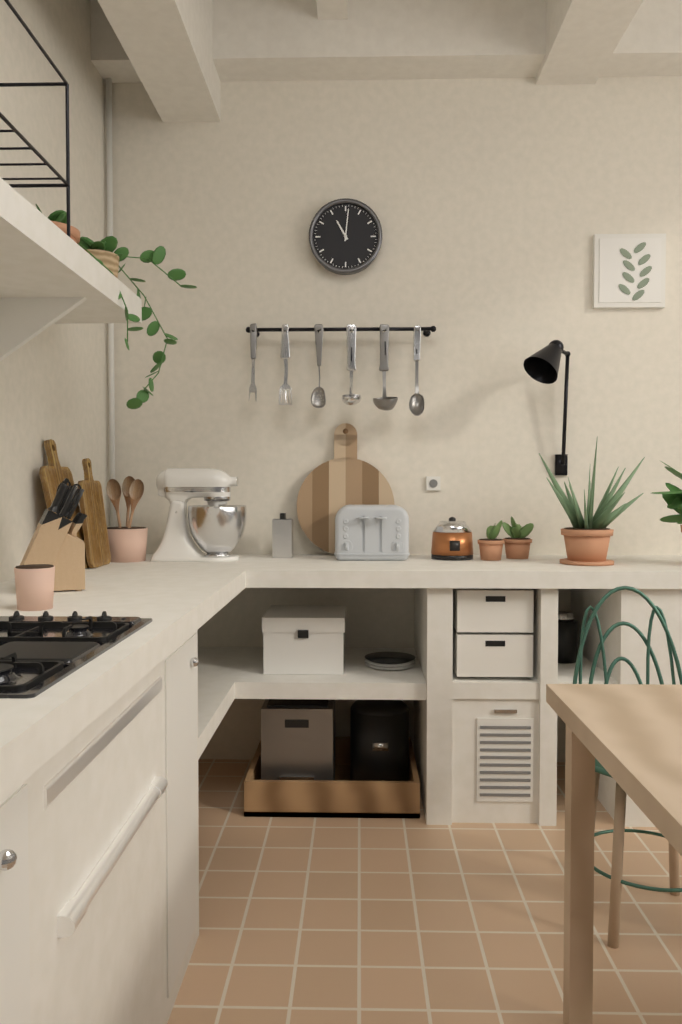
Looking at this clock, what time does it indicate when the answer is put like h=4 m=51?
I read h=11 m=1
